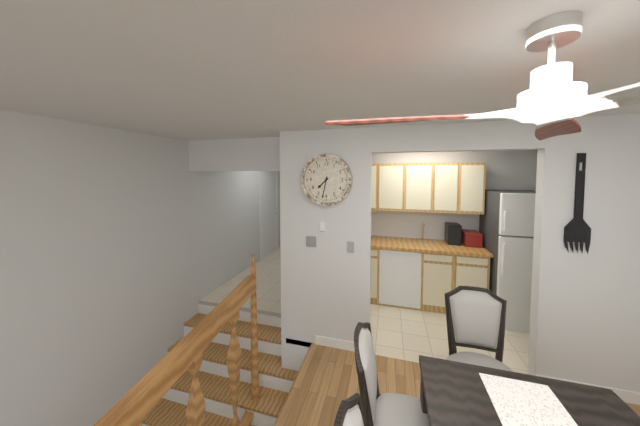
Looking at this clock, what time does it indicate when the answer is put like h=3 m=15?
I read h=7 m=32
